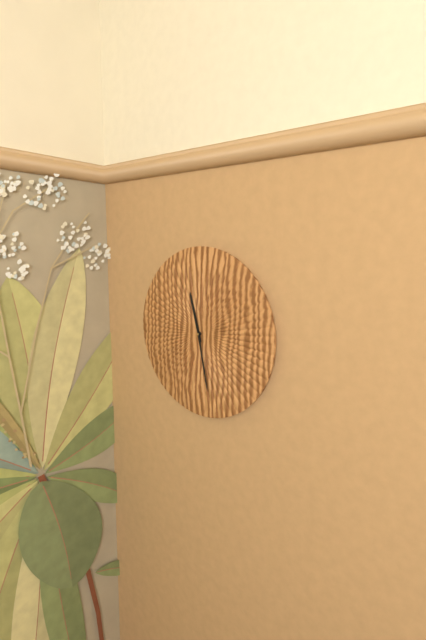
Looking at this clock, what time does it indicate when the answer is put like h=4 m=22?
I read h=11 m=28
